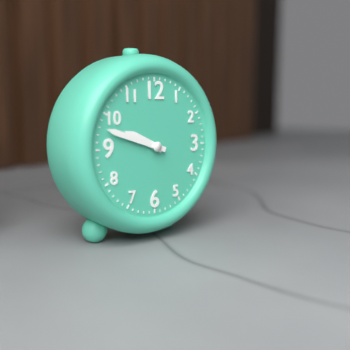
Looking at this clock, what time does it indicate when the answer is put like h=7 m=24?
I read h=9 m=48
